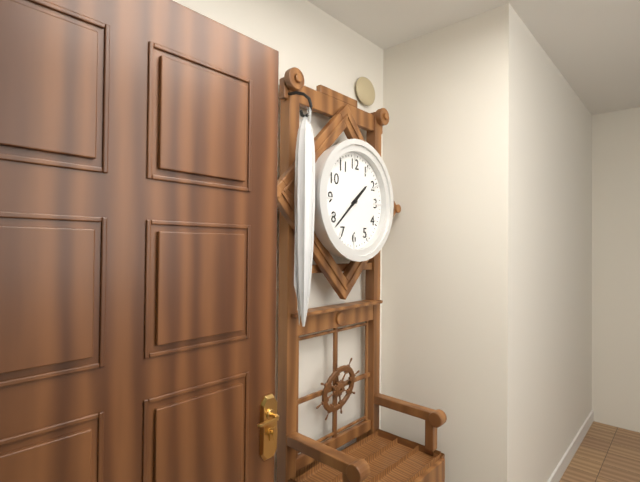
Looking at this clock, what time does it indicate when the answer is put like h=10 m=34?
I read h=1 m=38
